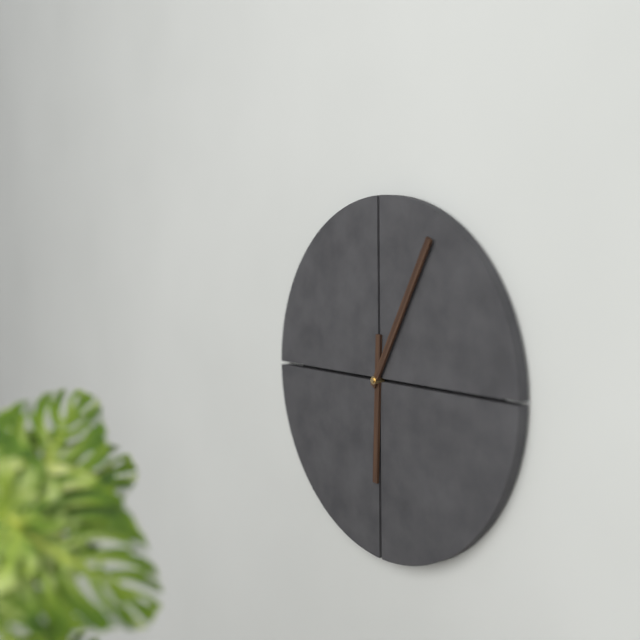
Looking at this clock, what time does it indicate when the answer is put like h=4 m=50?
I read h=6 m=5
